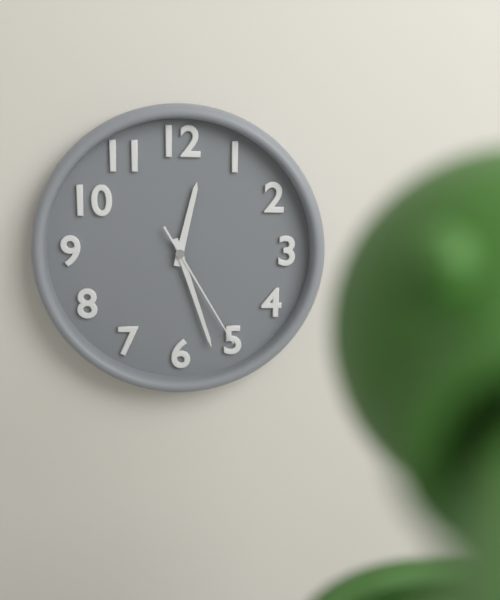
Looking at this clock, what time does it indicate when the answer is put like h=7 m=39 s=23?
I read h=12 m=27 s=25
